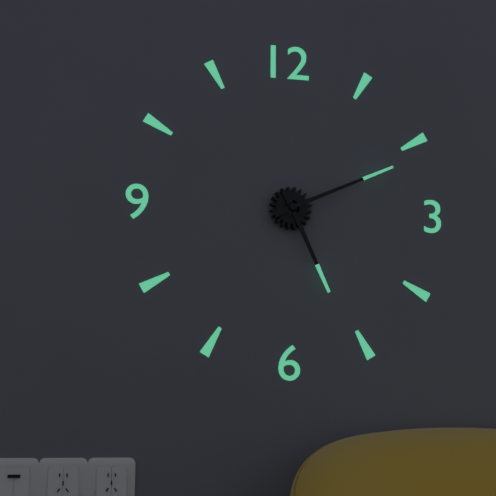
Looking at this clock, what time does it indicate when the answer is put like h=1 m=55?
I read h=5 m=11
